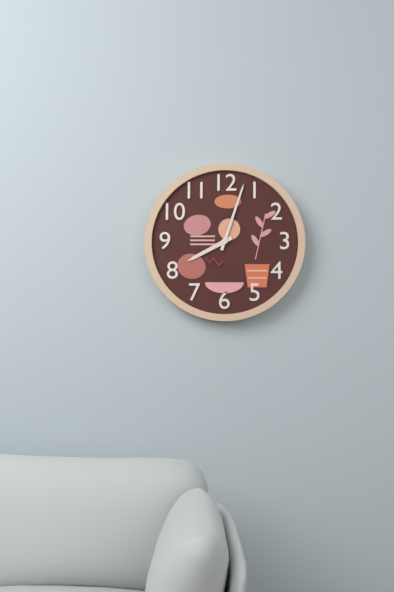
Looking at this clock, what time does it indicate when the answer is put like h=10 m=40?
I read h=8 m=3
